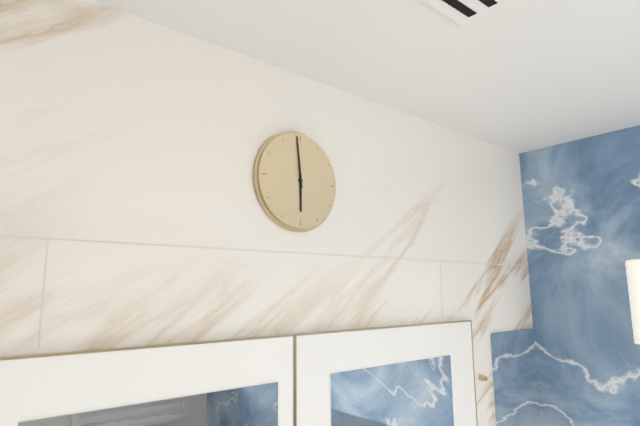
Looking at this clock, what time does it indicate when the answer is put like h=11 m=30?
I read h=5 m=59
